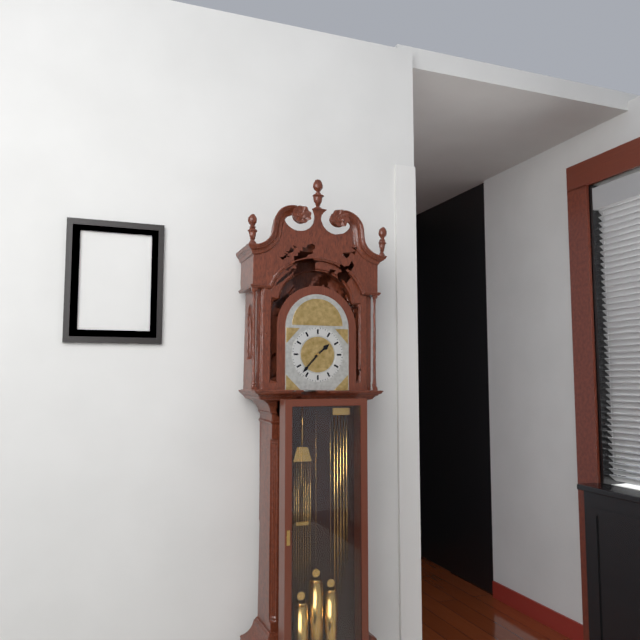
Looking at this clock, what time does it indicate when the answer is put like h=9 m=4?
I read h=1 m=37
